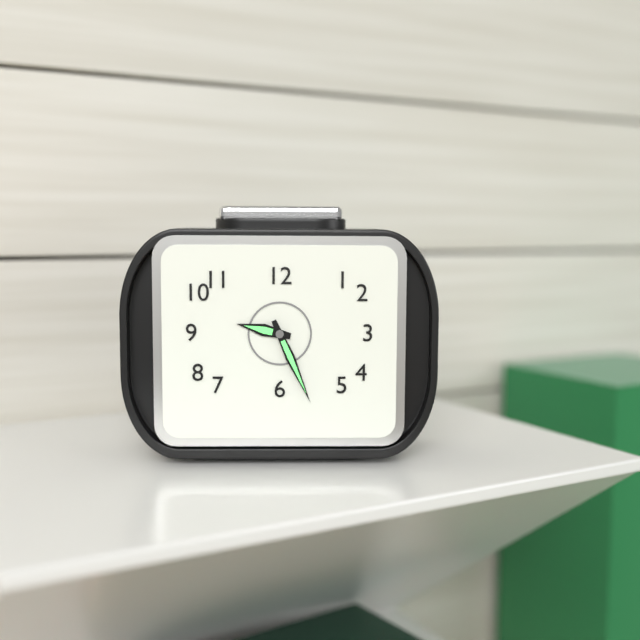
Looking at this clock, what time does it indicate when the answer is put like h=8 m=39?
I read h=9 m=26
